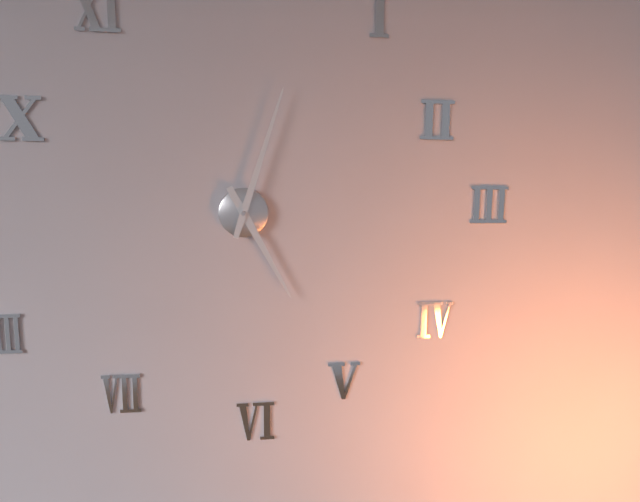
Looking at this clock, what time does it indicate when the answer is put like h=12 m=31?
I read h=5 m=3
